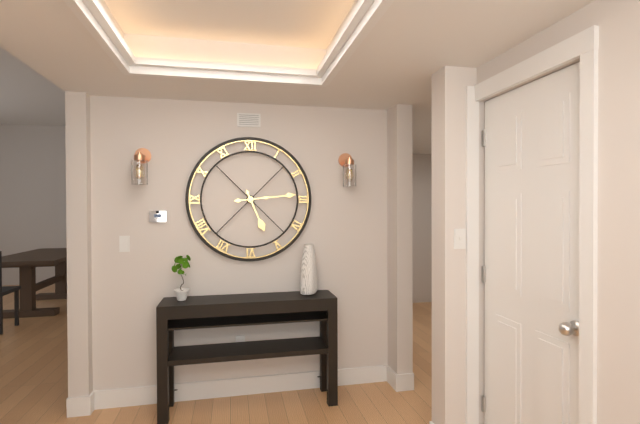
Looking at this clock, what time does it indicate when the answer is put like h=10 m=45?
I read h=5 m=14
